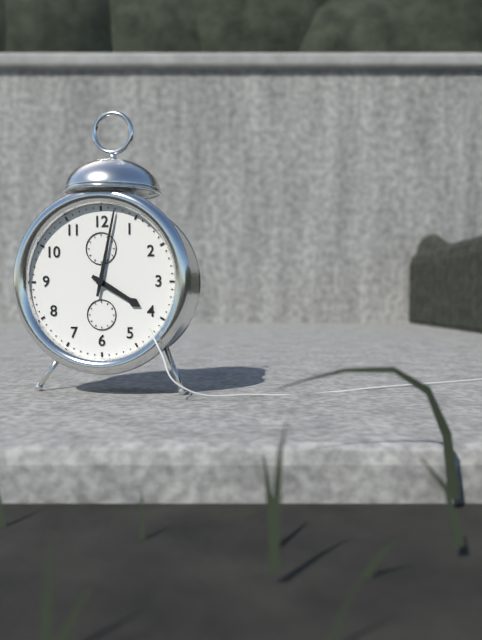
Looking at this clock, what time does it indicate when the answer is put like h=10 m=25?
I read h=4 m=2
